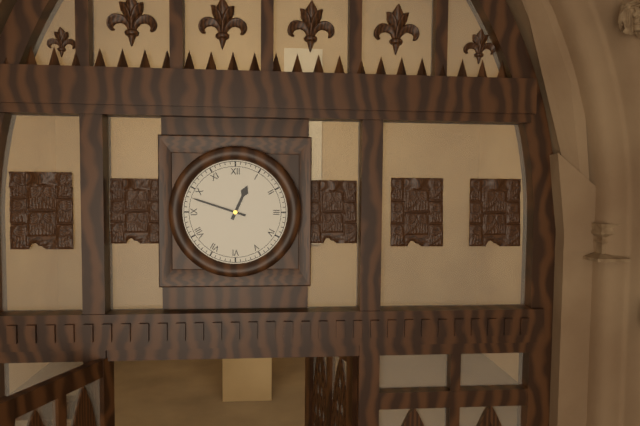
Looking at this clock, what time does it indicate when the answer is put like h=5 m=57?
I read h=12 m=48
